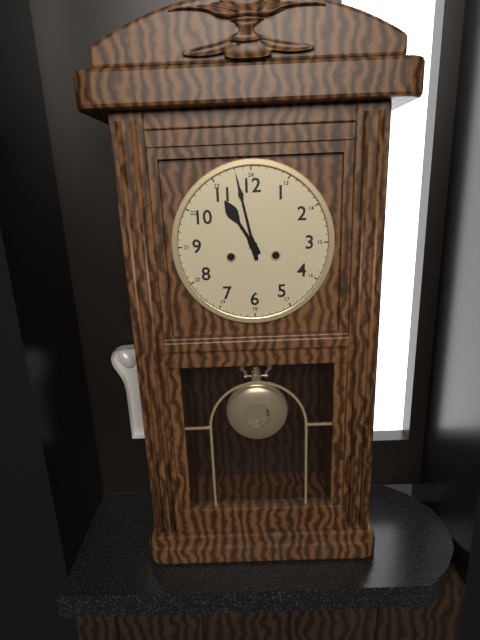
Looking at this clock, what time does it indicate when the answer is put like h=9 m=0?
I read h=10 m=58
